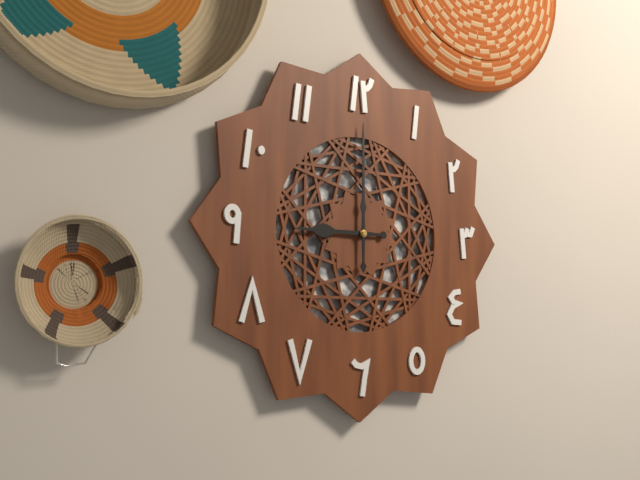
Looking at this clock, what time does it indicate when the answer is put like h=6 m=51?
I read h=9 m=0
